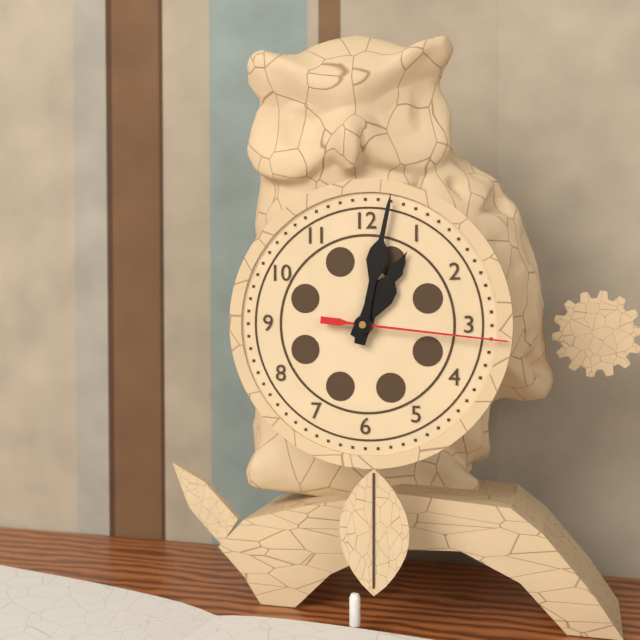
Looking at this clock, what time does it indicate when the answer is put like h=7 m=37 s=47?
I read h=1 m=2 s=16
